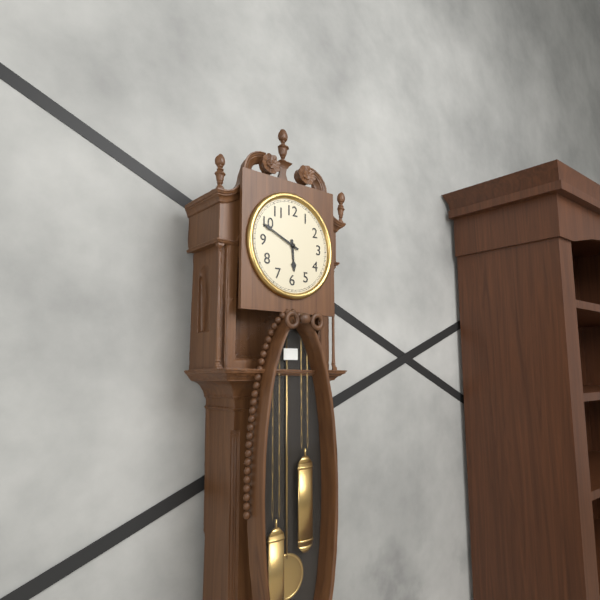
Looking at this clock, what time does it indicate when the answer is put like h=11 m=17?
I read h=5 m=49
